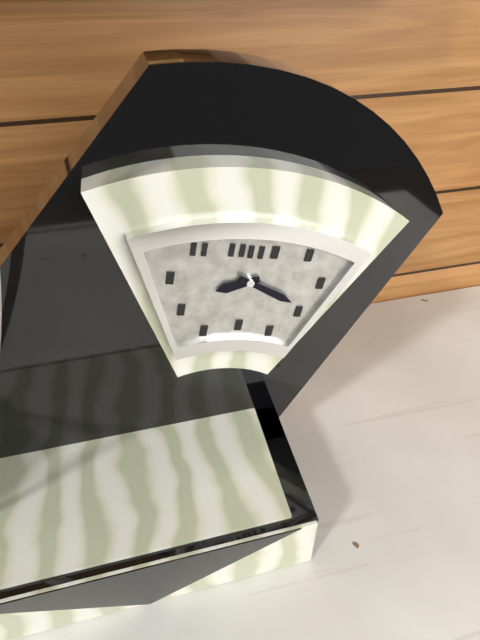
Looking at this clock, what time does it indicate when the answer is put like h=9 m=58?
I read h=8 m=19
